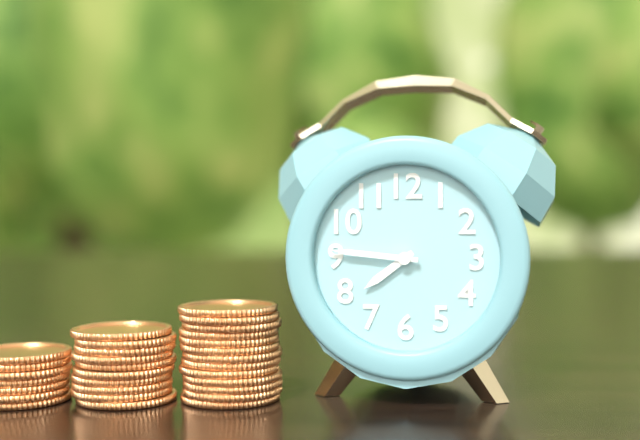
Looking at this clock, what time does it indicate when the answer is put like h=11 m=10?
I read h=7 m=46
